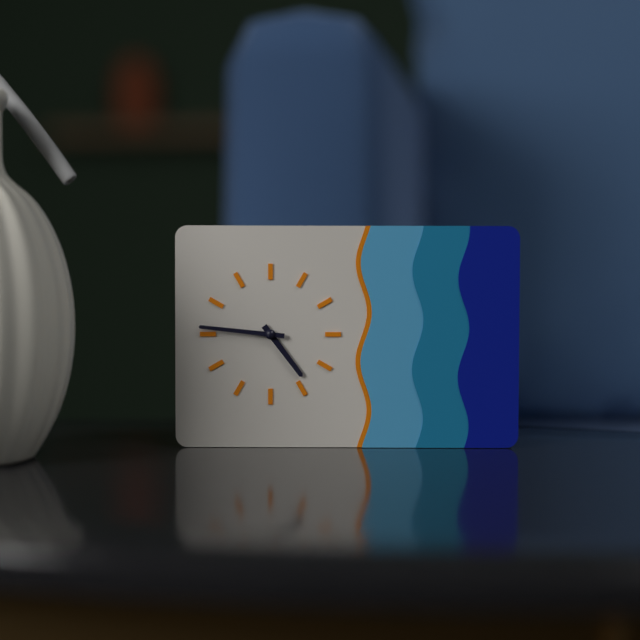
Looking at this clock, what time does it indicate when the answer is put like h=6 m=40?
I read h=4 m=46
